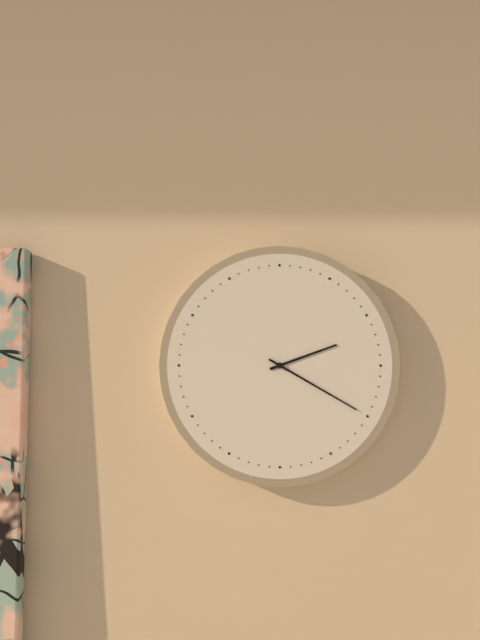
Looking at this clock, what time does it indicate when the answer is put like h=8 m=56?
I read h=2 m=20
